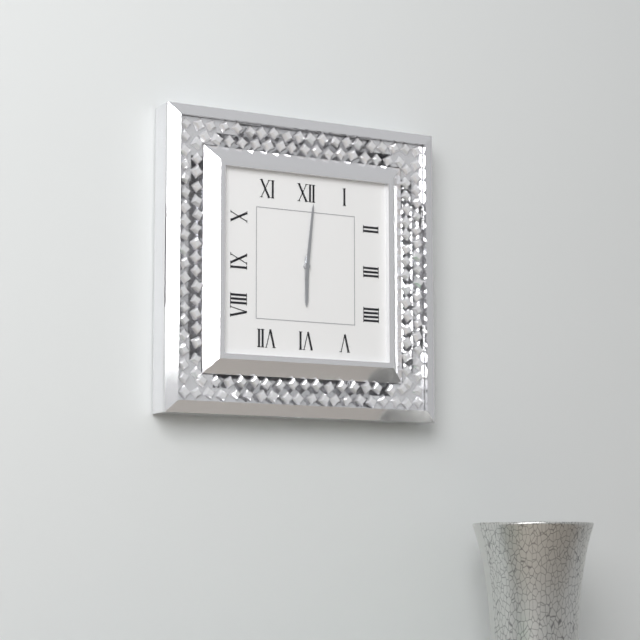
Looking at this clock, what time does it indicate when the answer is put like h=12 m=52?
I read h=6 m=1
